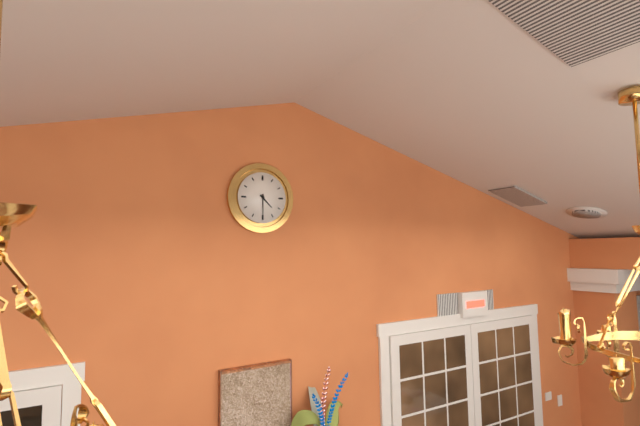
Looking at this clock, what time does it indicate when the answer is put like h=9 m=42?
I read h=4 m=30
